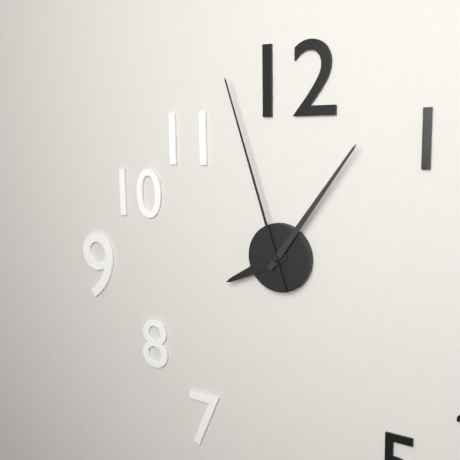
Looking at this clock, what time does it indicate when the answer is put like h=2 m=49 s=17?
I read h=8 m=6 s=57
